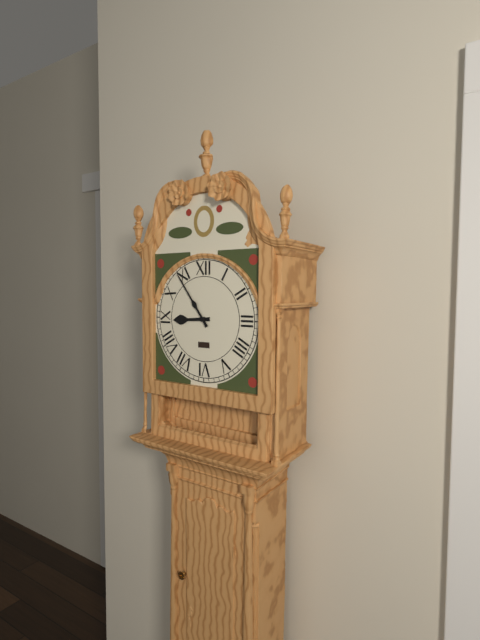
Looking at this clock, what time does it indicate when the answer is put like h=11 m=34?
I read h=8 m=54
